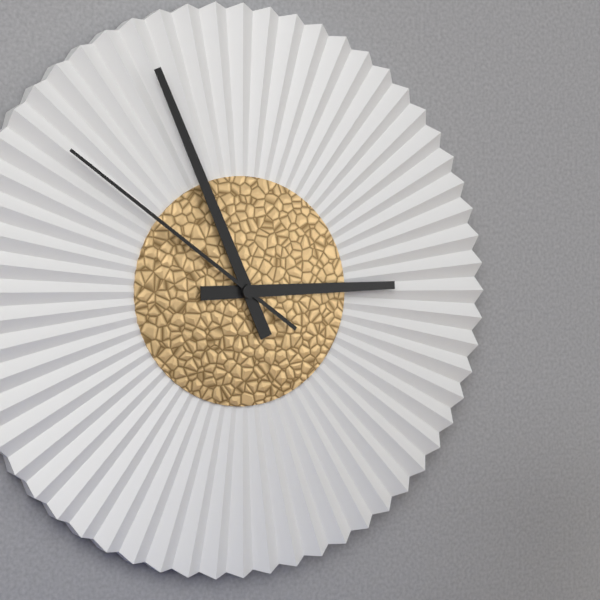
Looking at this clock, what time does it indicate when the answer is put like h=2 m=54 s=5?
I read h=2 m=56 s=51
